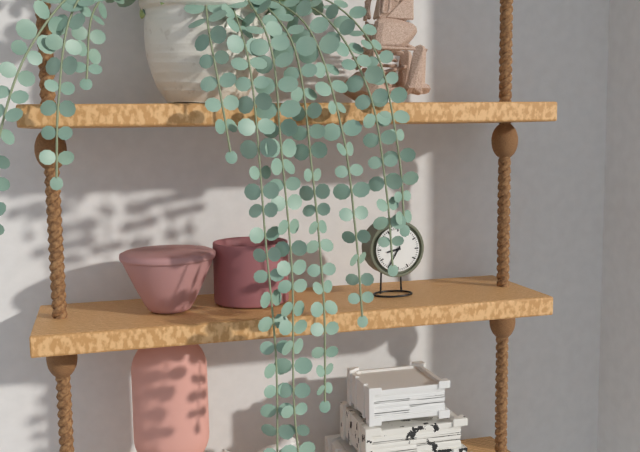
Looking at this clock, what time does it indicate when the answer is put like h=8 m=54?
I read h=8 m=35
